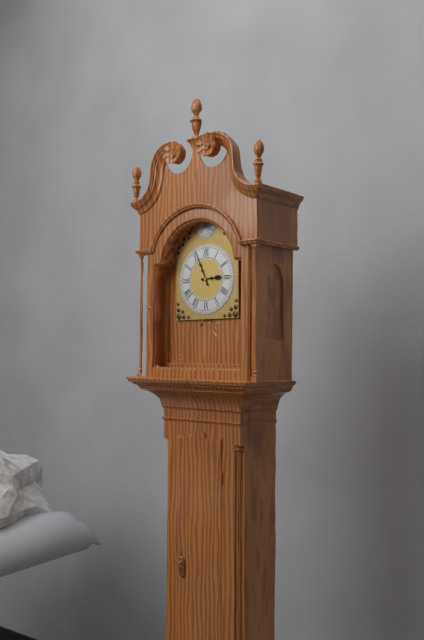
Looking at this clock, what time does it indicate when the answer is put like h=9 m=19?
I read h=2 m=56
